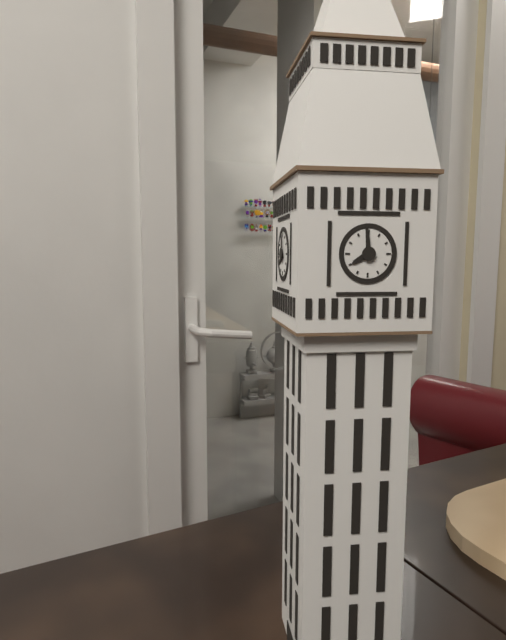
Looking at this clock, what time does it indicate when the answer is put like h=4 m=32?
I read h=7 m=59
